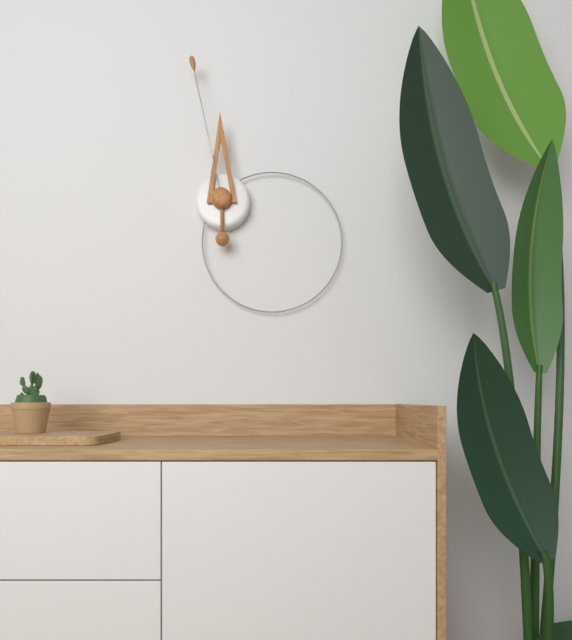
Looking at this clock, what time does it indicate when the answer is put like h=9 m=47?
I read h=11 m=58
